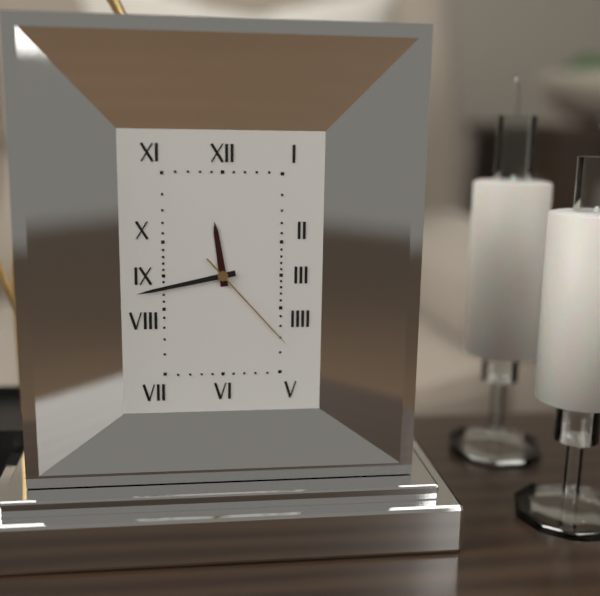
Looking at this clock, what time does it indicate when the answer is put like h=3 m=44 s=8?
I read h=11 m=43 s=23
